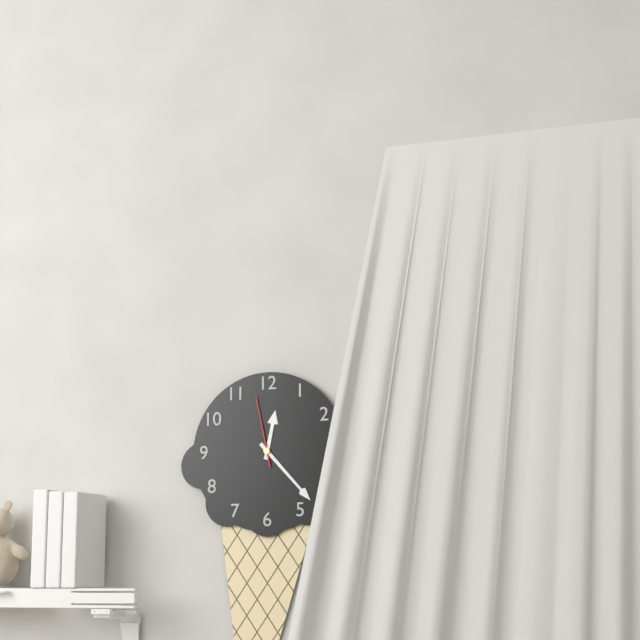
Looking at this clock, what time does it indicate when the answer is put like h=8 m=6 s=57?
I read h=12 m=23 s=58
